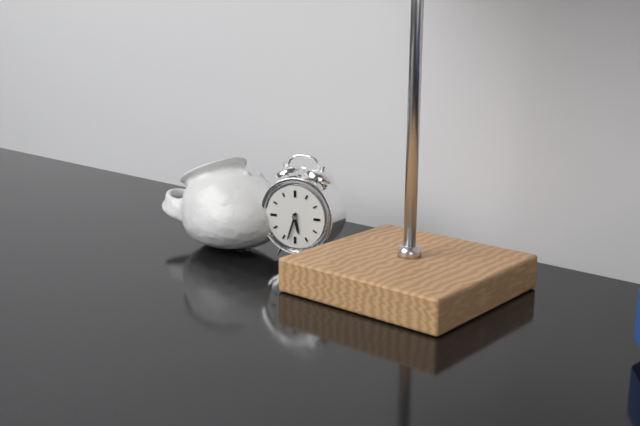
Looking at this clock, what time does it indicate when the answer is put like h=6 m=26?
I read h=5 m=33
